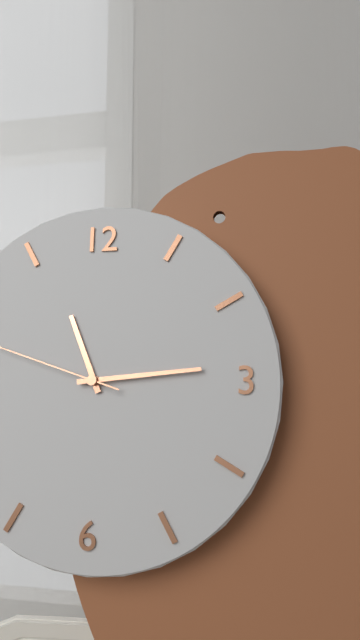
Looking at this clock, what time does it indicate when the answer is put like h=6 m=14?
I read h=11 m=14
